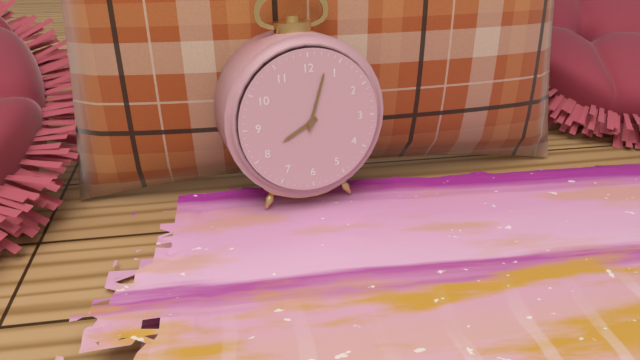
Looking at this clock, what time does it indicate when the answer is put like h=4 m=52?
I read h=8 m=3
